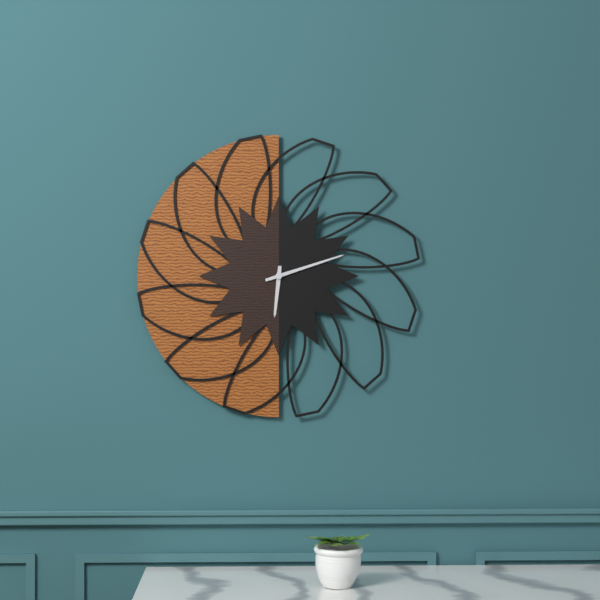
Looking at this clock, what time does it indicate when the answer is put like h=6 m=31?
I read h=6 m=12
